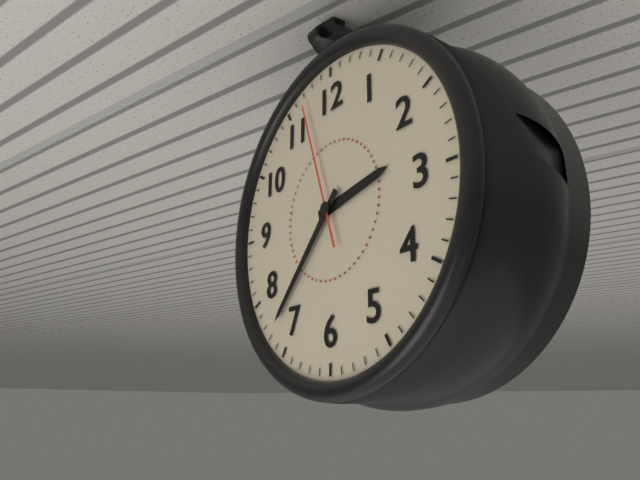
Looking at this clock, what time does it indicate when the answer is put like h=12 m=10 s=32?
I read h=2 m=37 s=57
